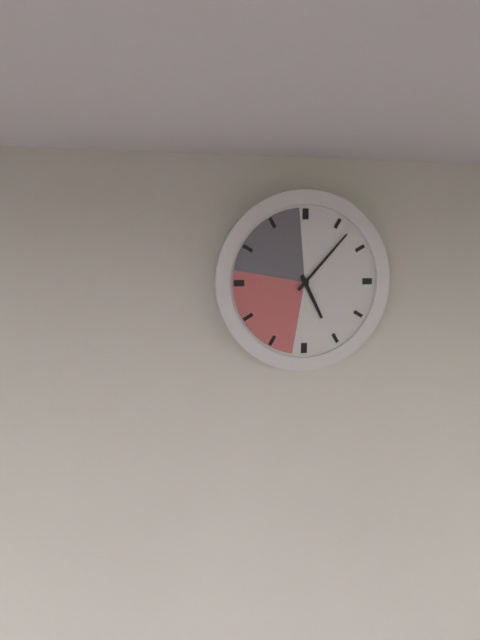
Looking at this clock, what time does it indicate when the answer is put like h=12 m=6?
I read h=5 m=7
